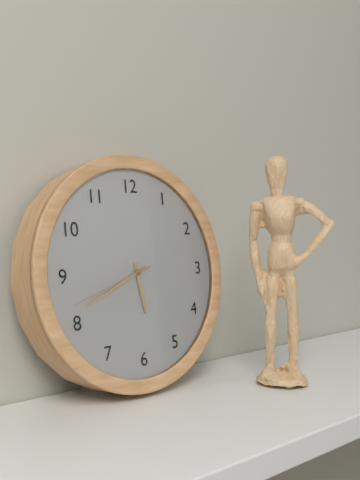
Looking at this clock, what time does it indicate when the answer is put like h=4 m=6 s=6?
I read h=5 m=41 s=42
